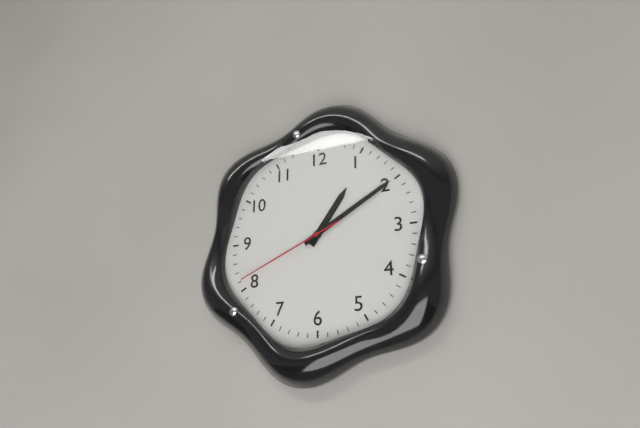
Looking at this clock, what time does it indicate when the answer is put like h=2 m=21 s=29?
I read h=1 m=10 s=41
